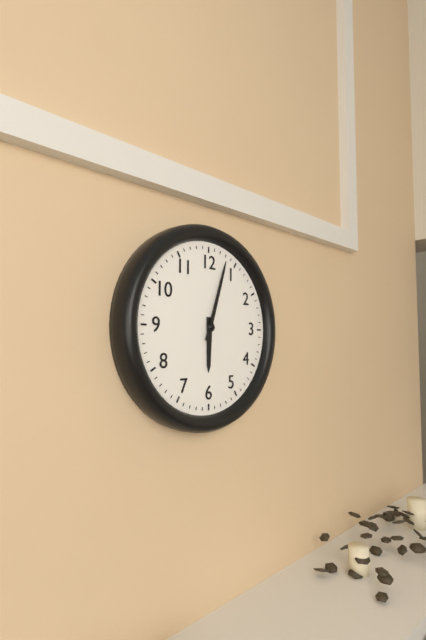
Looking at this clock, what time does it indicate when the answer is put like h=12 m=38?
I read h=6 m=3
